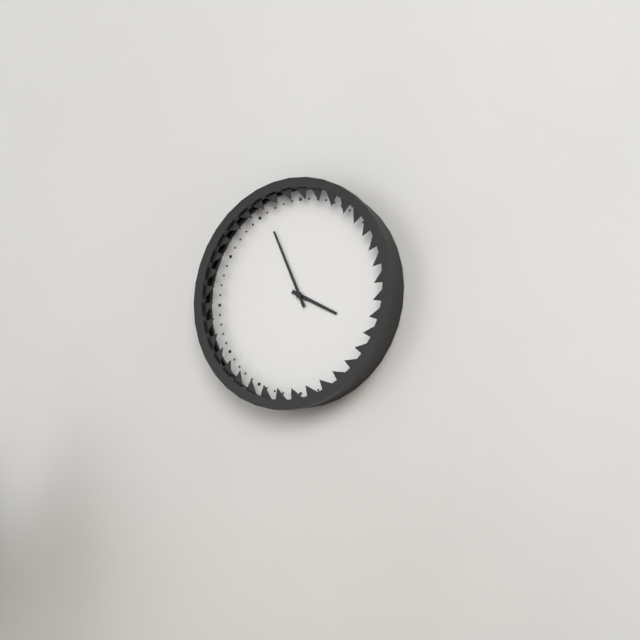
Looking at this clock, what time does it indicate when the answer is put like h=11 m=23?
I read h=3 m=56
